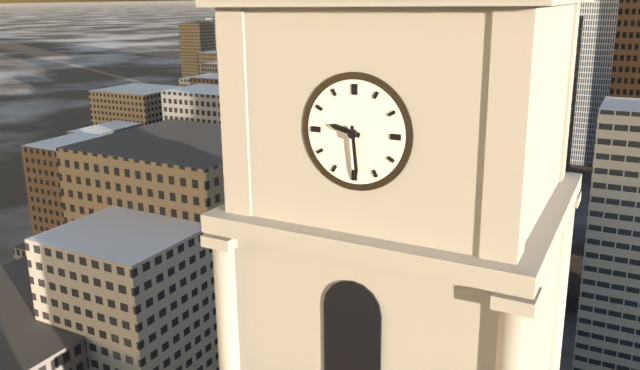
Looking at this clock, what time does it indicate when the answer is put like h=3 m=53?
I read h=9 m=29
